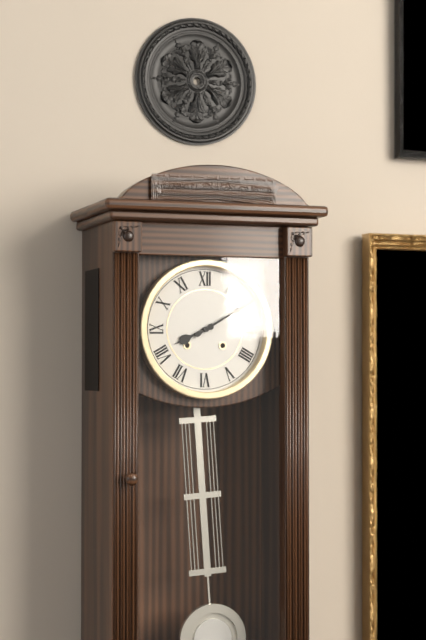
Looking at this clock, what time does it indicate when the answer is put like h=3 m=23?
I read h=8 m=10
